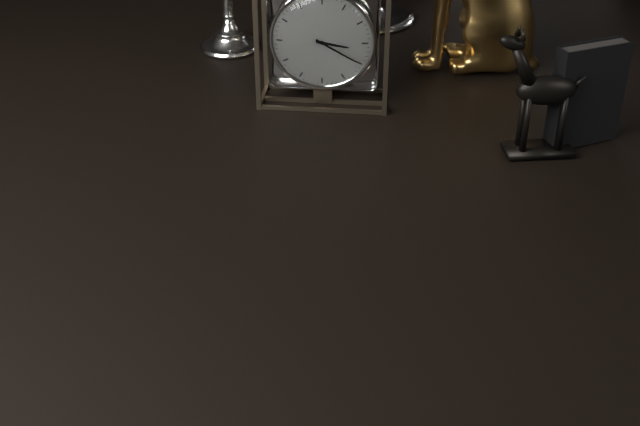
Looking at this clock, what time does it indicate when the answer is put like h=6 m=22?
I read h=3 m=20
